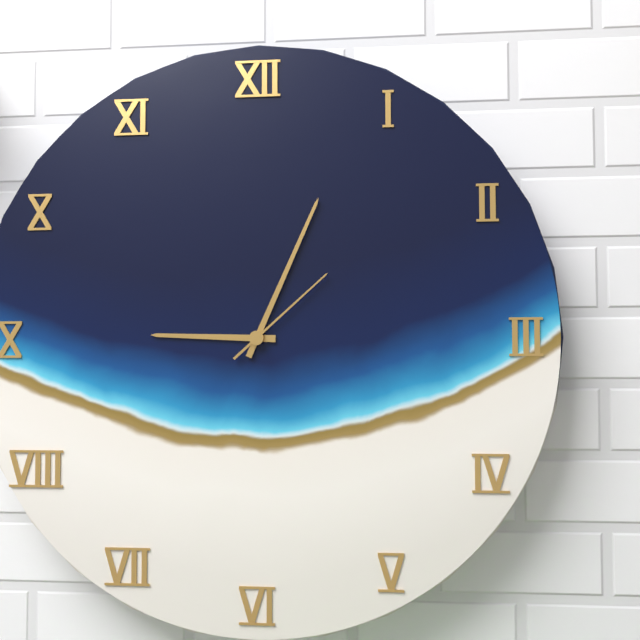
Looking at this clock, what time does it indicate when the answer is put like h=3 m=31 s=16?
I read h=9 m=4 s=8
